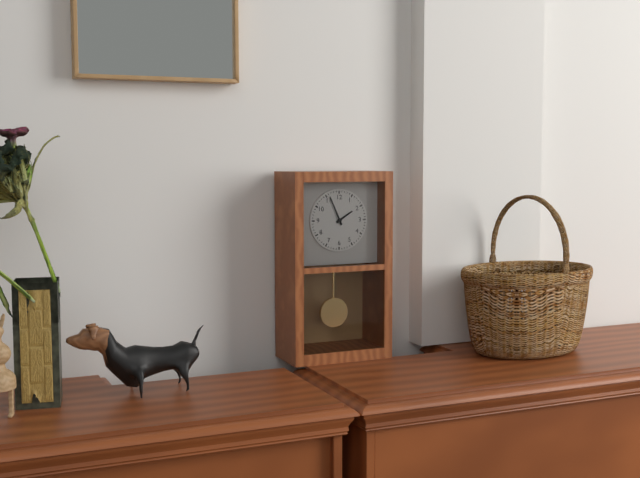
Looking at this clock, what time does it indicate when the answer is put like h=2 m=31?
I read h=1 m=56
